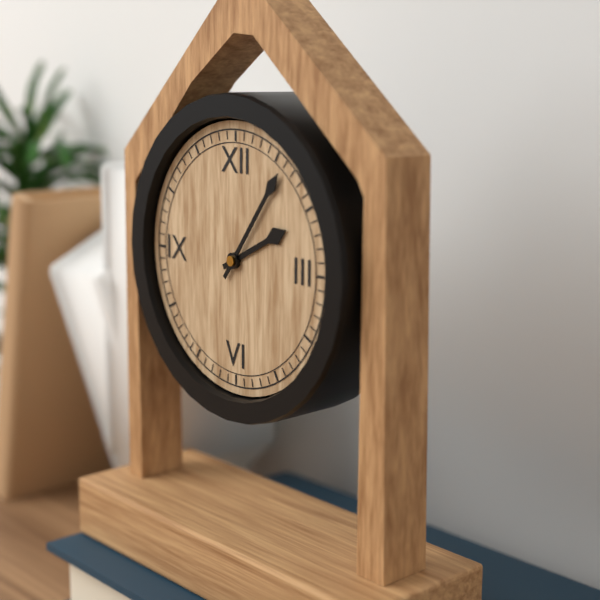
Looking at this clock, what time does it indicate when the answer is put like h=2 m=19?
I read h=2 m=6
